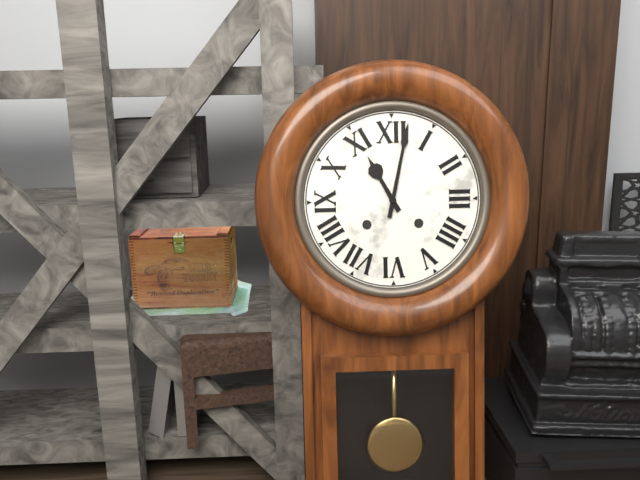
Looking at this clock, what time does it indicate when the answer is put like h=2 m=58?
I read h=11 m=2
